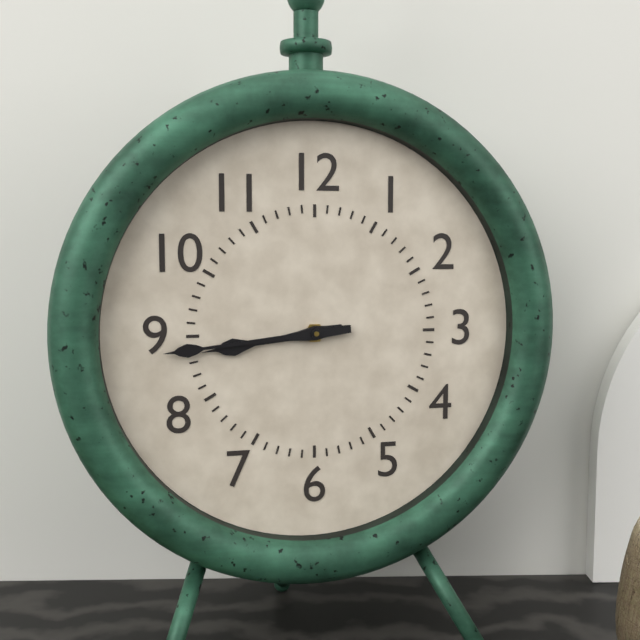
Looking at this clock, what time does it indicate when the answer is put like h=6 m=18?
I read h=8 m=44
